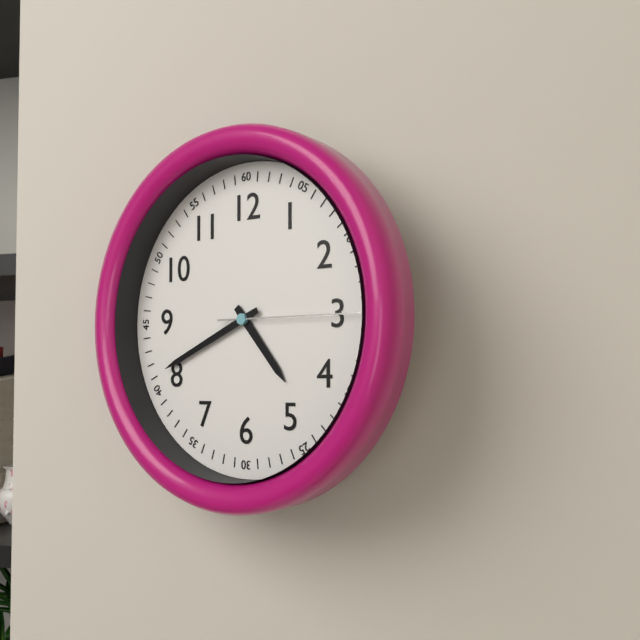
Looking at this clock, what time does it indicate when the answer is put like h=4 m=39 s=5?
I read h=4 m=41 s=15
